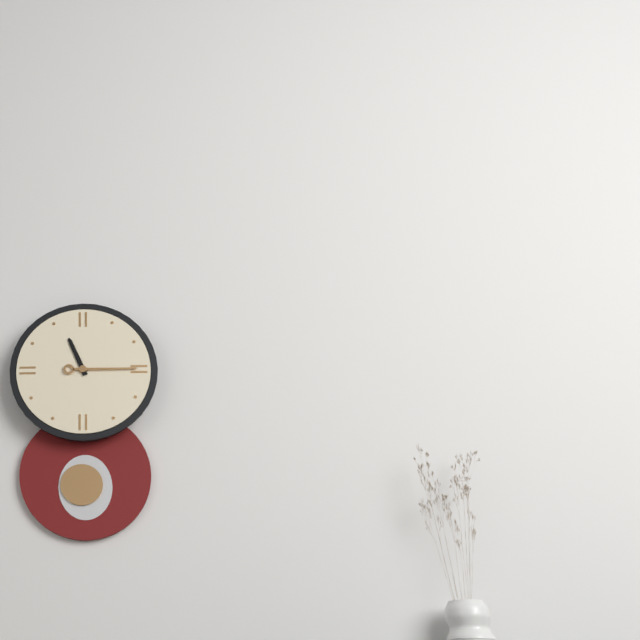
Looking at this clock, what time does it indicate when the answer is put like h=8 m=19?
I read h=11 m=15
